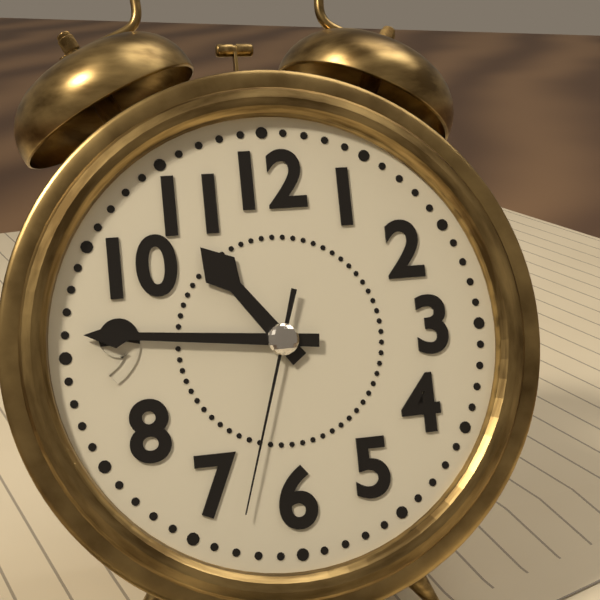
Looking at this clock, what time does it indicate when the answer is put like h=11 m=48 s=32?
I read h=10 m=46 s=33
